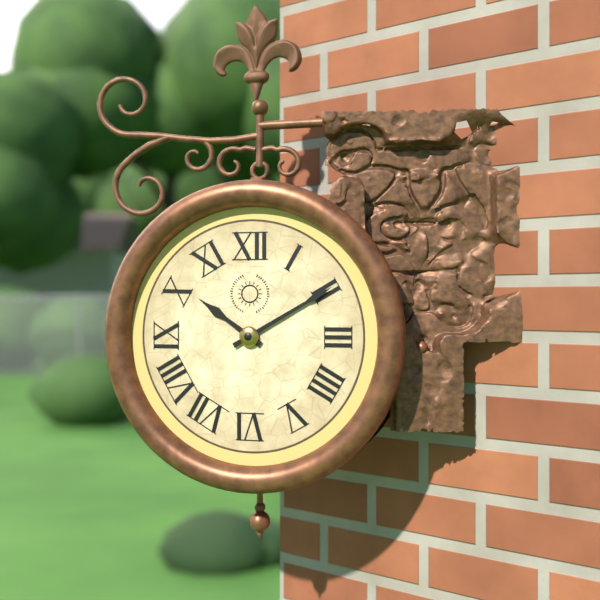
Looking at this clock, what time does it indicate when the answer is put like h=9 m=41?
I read h=10 m=10
